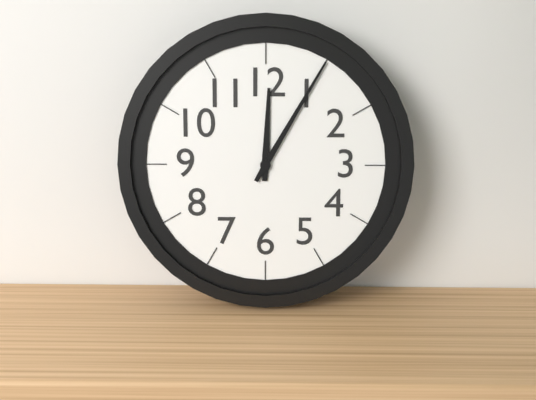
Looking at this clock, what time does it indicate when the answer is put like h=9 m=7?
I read h=12 m=5
